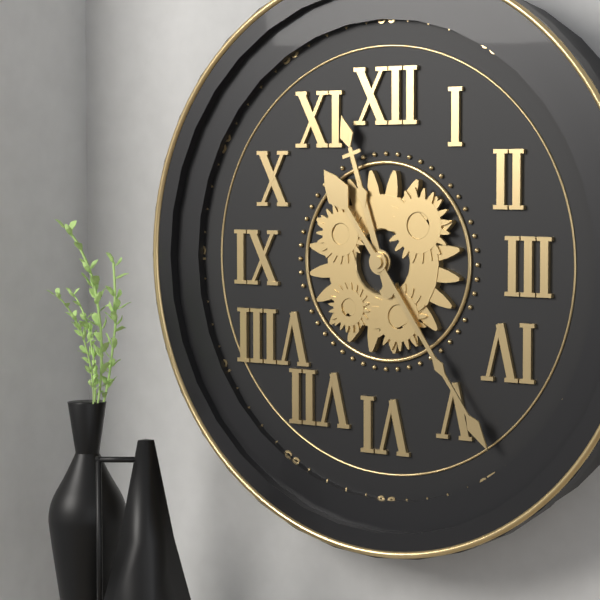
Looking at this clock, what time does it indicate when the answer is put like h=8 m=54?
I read h=11 m=24
